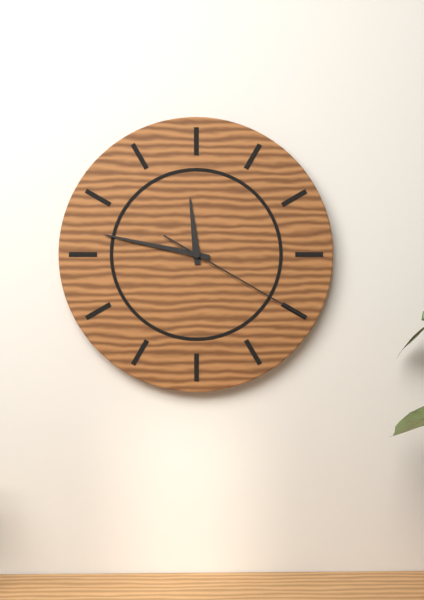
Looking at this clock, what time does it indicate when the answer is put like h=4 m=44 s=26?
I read h=11 m=47 s=20
